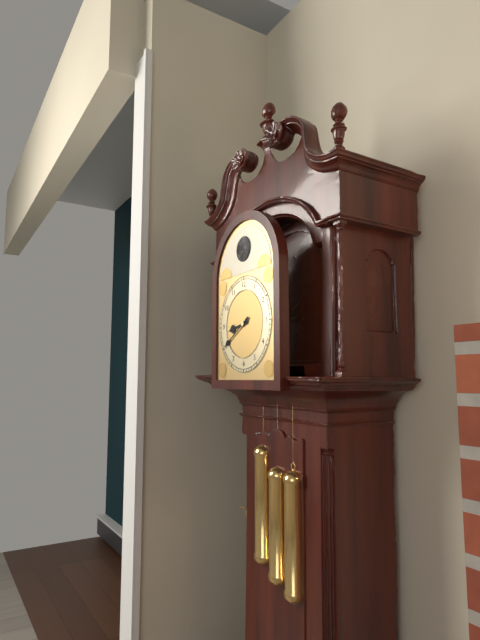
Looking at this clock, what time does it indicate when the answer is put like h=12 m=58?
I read h=8 m=40
